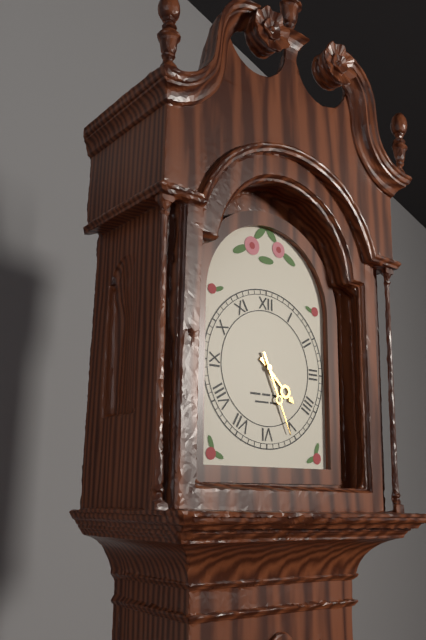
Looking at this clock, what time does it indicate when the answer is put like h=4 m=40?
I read h=4 m=26
